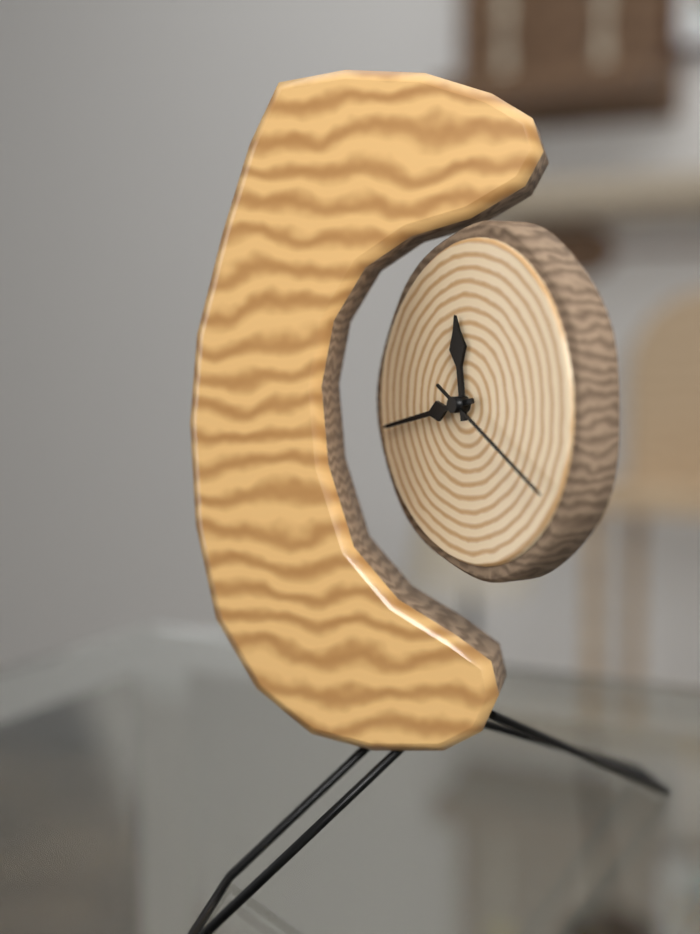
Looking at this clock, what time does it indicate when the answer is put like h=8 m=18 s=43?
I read h=11 m=43 s=20
